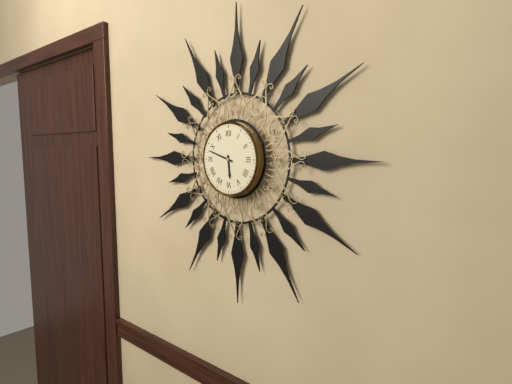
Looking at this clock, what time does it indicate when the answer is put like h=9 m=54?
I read h=5 m=48
